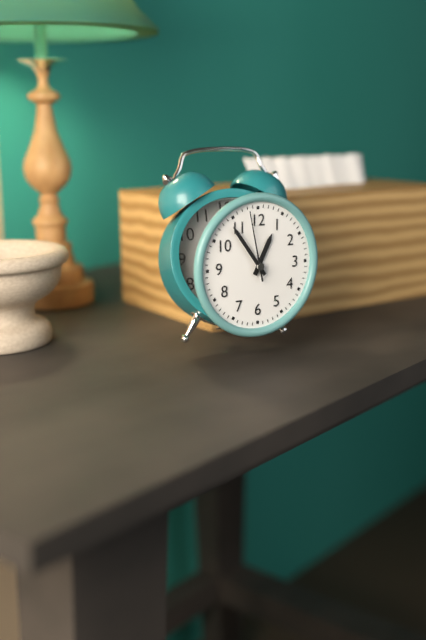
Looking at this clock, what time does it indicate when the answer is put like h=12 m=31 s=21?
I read h=12 m=54 s=58
